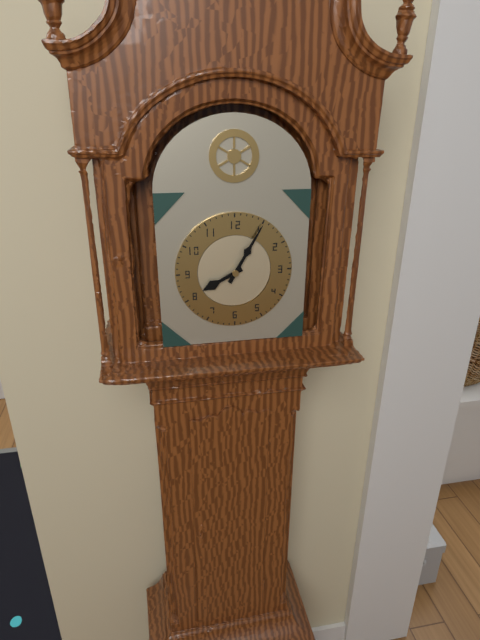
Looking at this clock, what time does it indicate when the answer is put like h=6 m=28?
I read h=8 m=5
